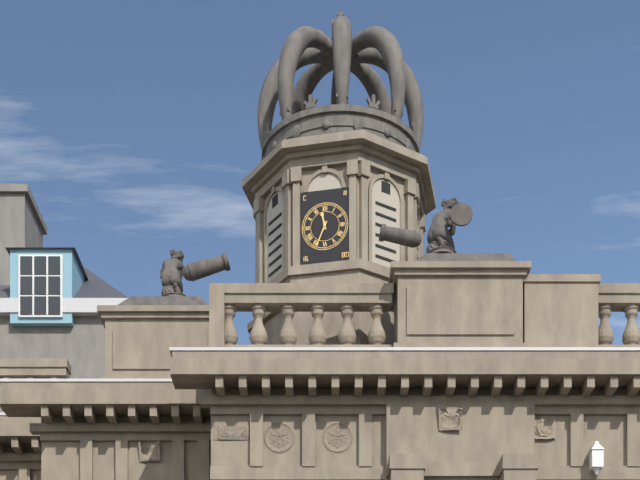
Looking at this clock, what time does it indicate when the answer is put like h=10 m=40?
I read h=11 m=34
